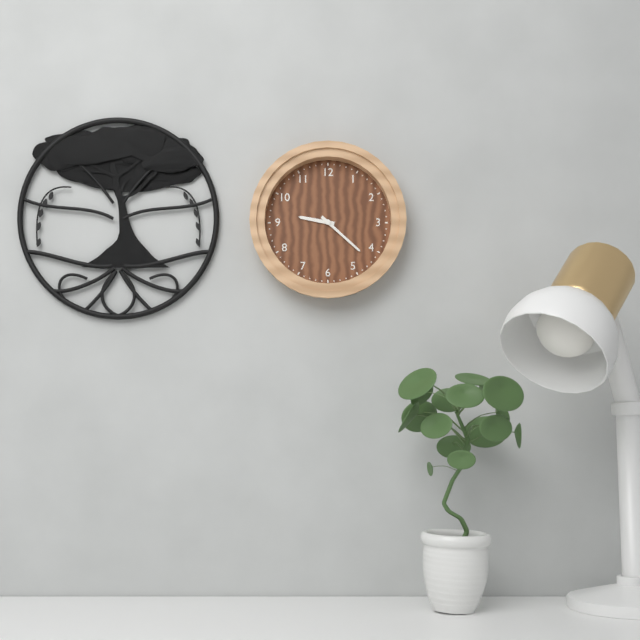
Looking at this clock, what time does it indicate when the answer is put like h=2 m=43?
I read h=9 m=22
